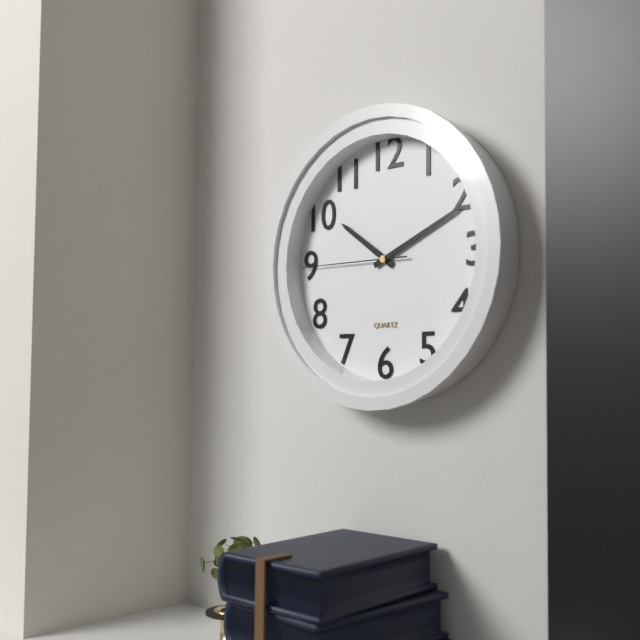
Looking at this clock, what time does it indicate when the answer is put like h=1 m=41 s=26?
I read h=10 m=11 s=45
